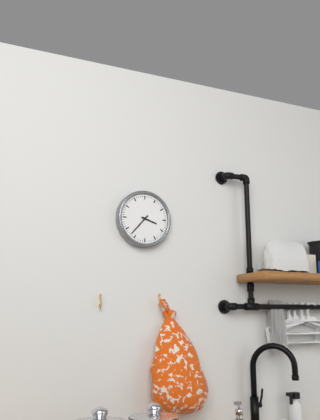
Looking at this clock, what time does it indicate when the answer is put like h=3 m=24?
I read h=3 m=37
